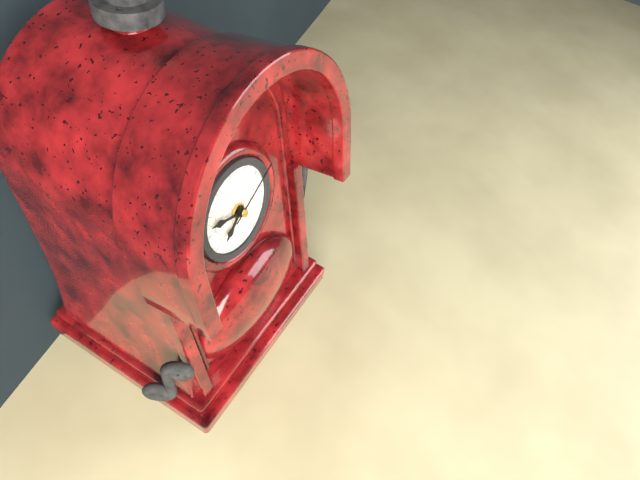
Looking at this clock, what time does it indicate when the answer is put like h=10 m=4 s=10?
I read h=7 m=48 s=11
